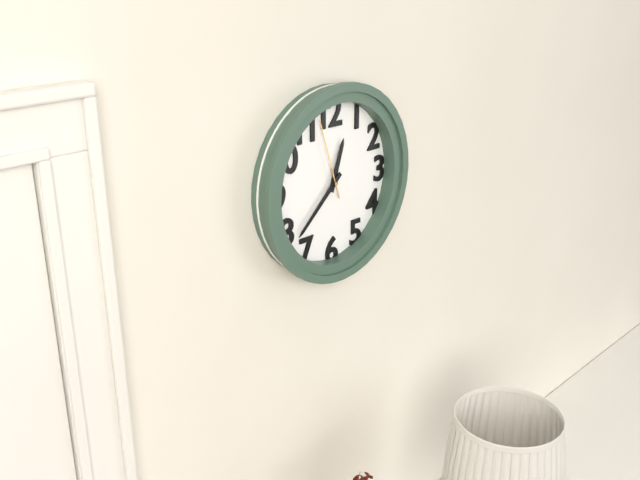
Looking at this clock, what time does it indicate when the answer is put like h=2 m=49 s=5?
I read h=12 m=38 s=57
